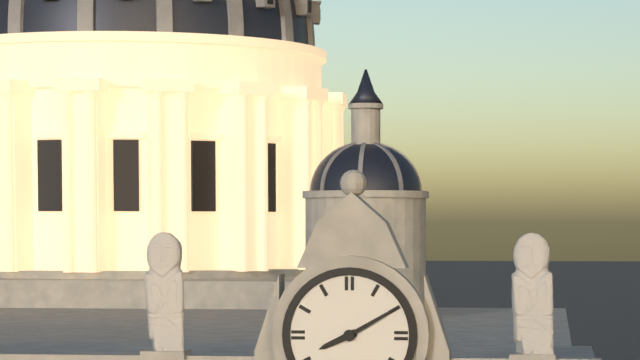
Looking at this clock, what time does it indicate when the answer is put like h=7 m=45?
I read h=8 m=10
